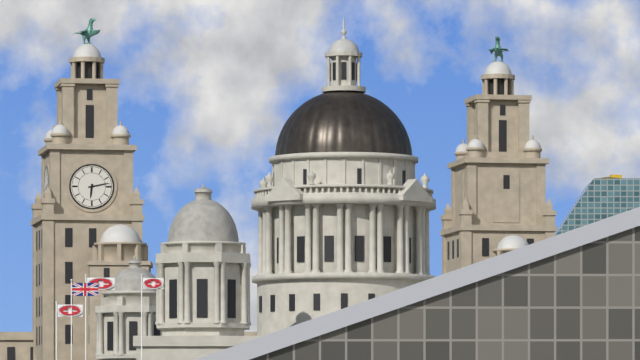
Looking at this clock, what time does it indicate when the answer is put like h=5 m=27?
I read h=6 m=13
